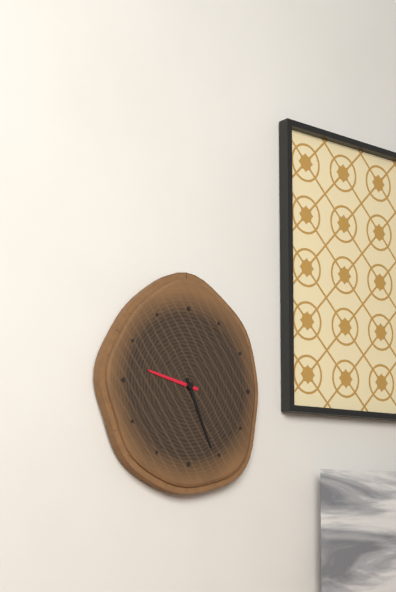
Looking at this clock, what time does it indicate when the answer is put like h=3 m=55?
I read h=9 m=26
